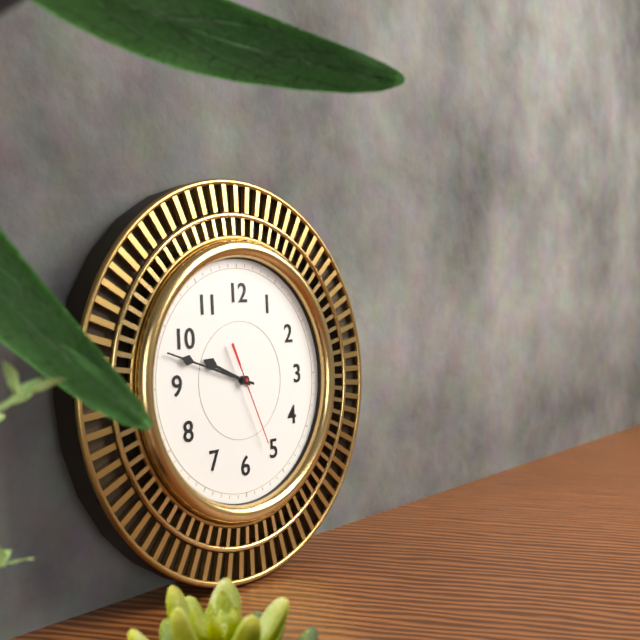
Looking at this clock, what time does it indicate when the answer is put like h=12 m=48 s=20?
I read h=9 m=48 s=26
